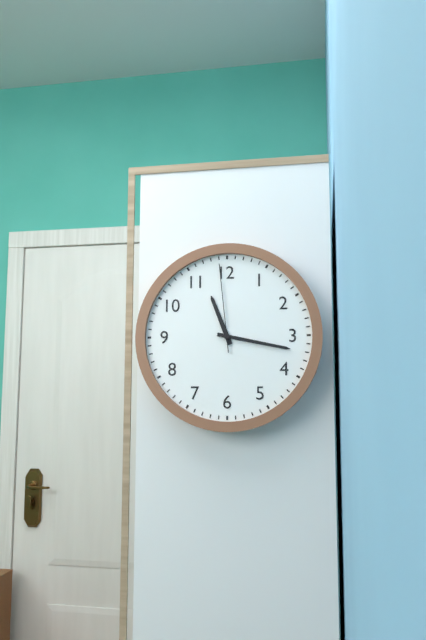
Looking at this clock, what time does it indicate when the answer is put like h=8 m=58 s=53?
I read h=11 m=17 s=59
